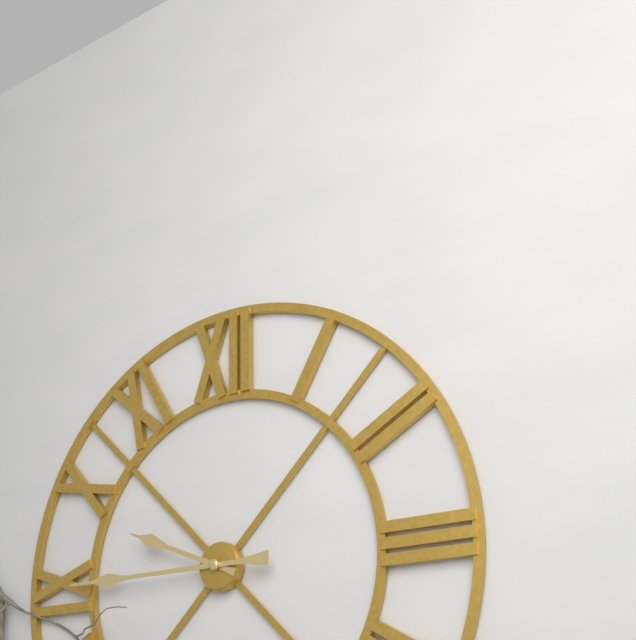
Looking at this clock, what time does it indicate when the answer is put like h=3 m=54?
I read h=9 m=45
